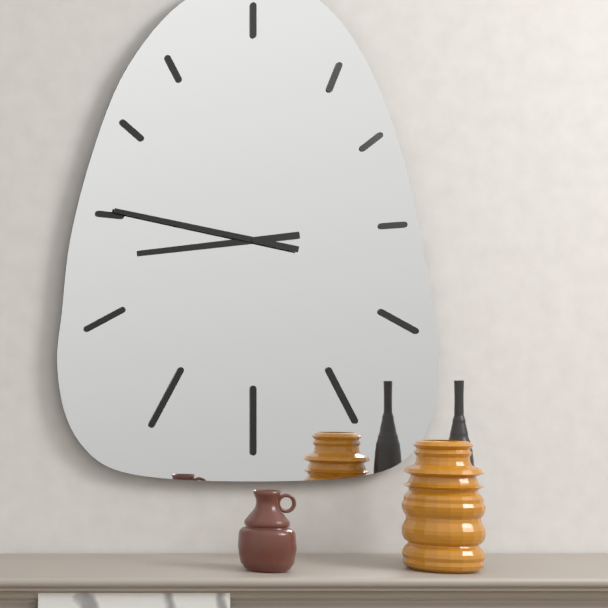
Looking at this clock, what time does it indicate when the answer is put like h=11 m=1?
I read h=8 m=47
